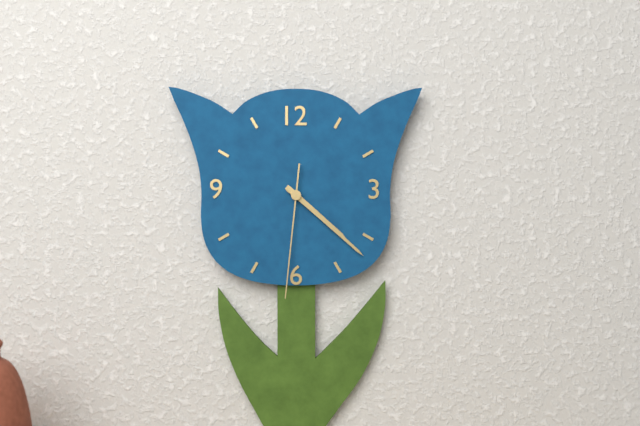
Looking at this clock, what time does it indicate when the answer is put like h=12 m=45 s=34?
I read h=4 m=22 s=31
